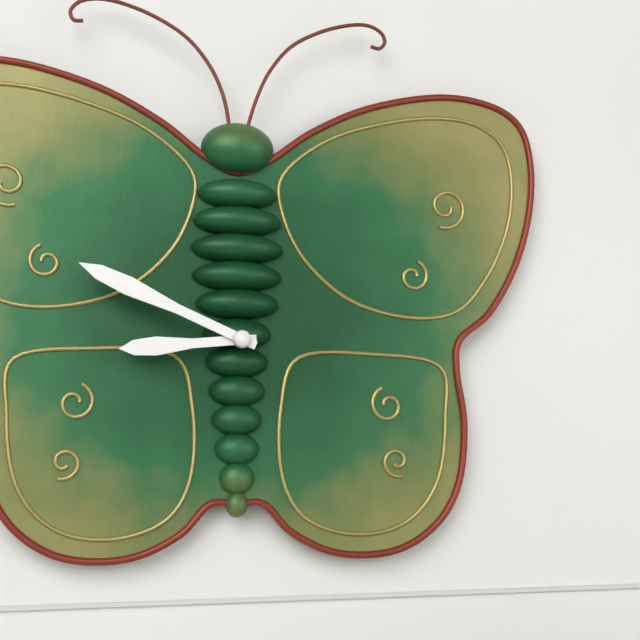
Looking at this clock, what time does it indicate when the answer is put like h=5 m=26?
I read h=8 m=49
